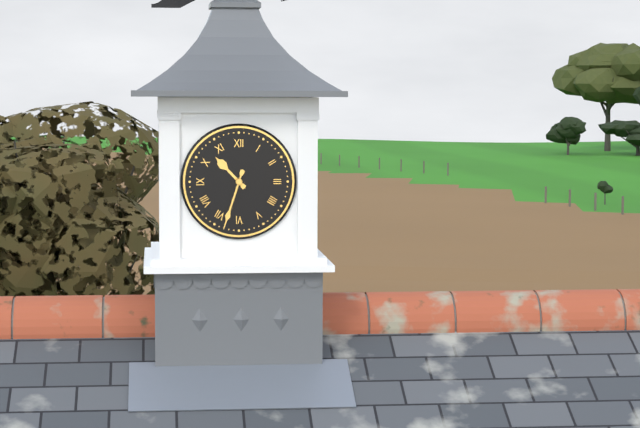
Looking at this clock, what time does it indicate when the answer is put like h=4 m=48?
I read h=10 m=33
